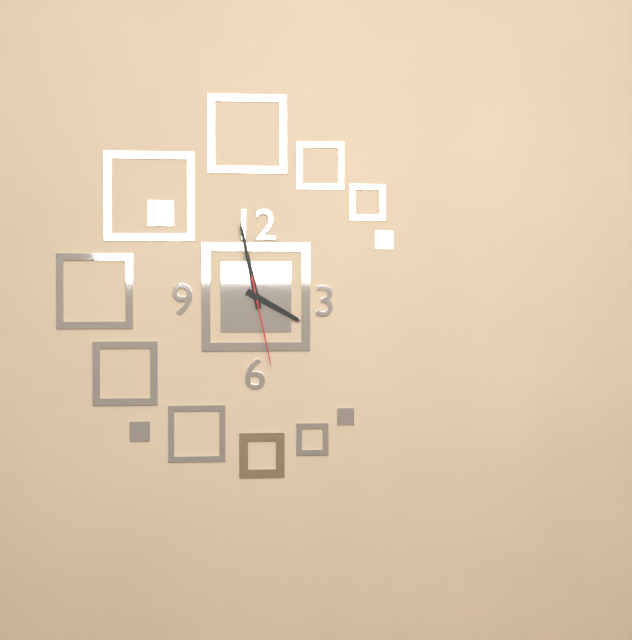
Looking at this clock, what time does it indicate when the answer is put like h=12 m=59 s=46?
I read h=3 m=58 s=28
